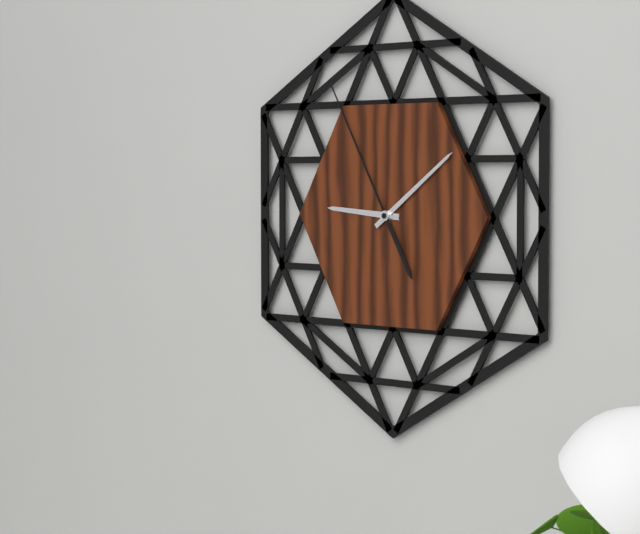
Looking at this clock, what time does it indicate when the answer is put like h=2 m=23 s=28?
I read h=9 m=9 s=55
